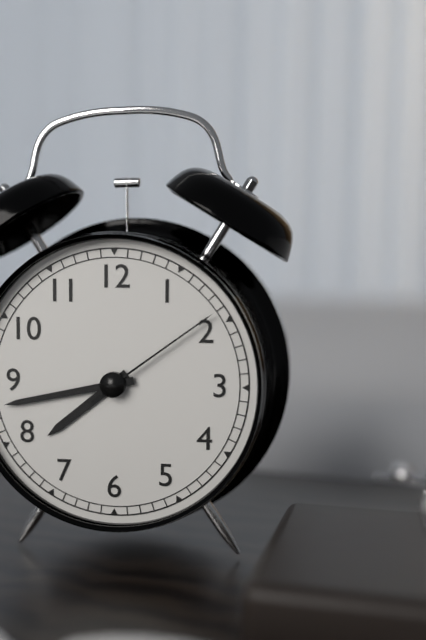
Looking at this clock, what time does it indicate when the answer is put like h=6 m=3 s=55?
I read h=7 m=43 s=9
